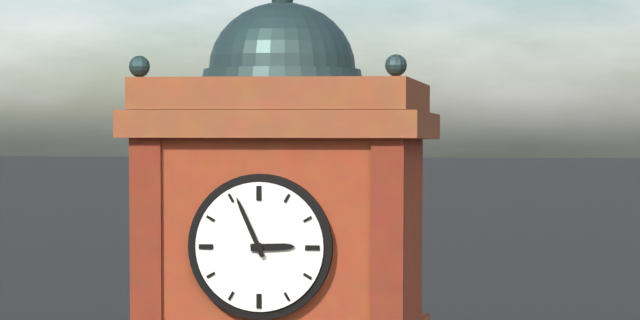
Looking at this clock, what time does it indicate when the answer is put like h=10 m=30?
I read h=2 m=56
